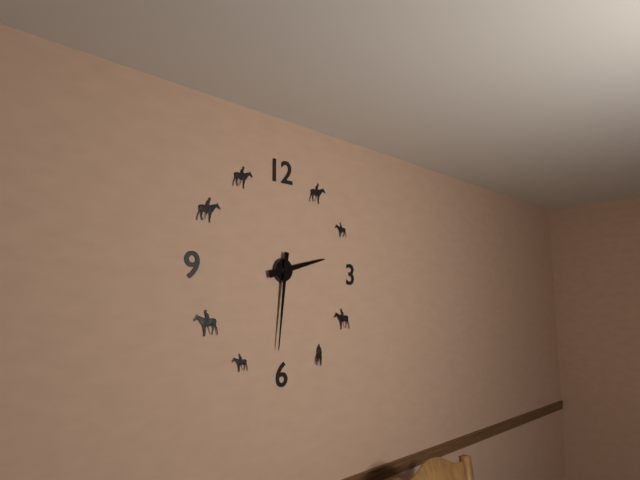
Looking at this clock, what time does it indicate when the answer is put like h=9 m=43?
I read h=2 m=31
